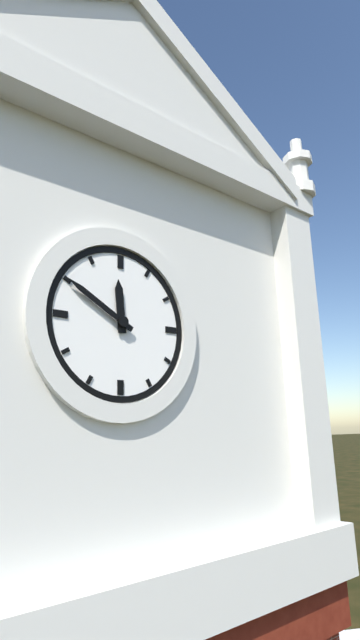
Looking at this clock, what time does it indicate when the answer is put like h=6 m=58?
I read h=11 m=50
